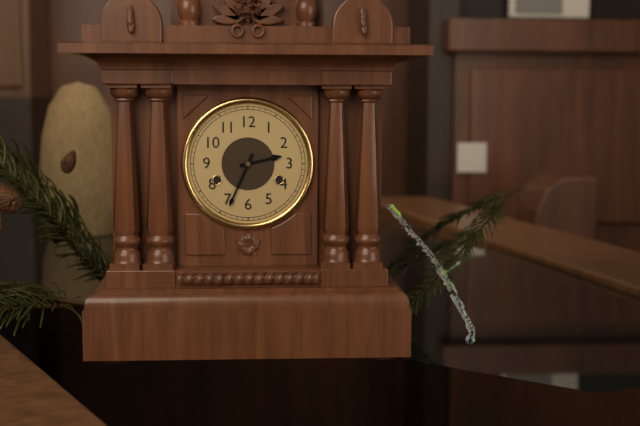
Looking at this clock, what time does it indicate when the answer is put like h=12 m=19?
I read h=2 m=34
